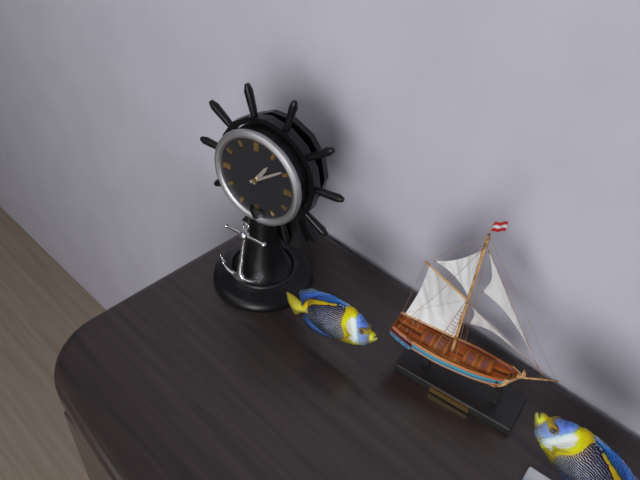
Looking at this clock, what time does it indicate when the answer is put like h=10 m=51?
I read h=1 m=9
